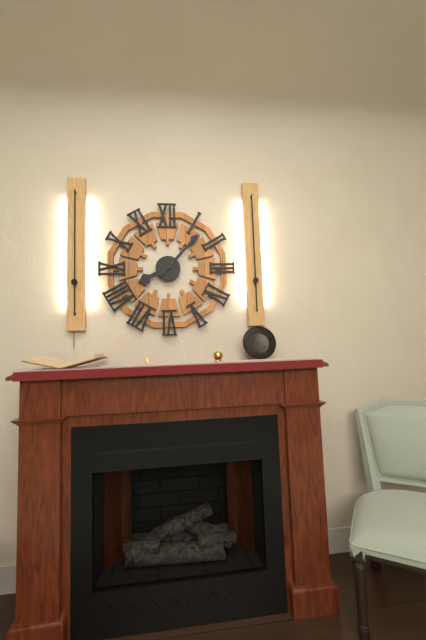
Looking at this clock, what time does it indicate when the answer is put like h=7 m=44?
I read h=8 m=7
